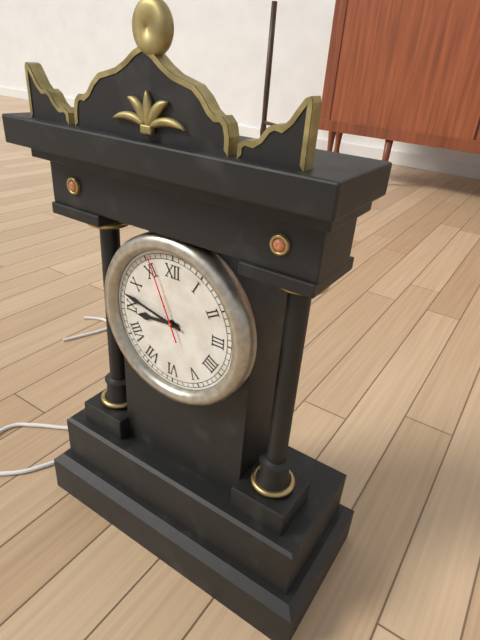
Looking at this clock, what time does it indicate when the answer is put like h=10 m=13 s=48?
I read h=8 m=47 s=56
